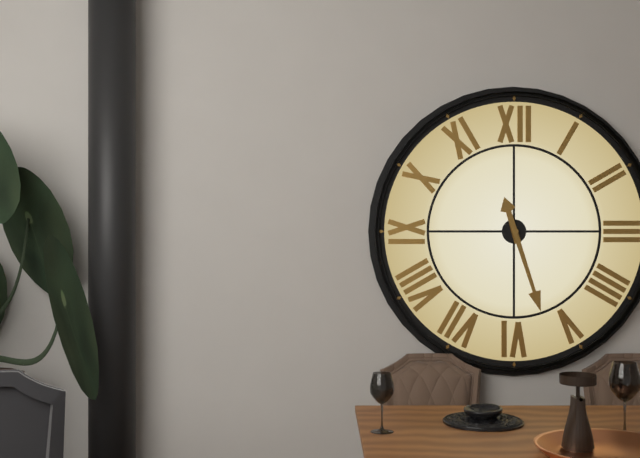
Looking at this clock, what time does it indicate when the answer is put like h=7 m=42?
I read h=11 m=27
